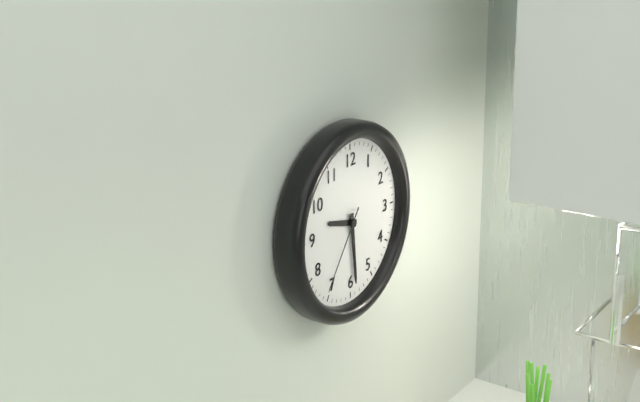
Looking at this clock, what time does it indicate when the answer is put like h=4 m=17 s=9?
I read h=9 m=29 s=36
